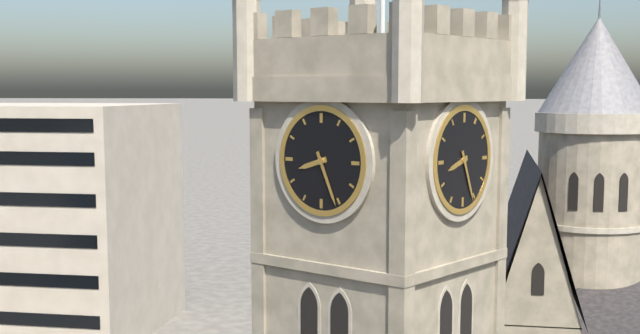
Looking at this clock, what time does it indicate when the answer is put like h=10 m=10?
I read h=8 m=26
